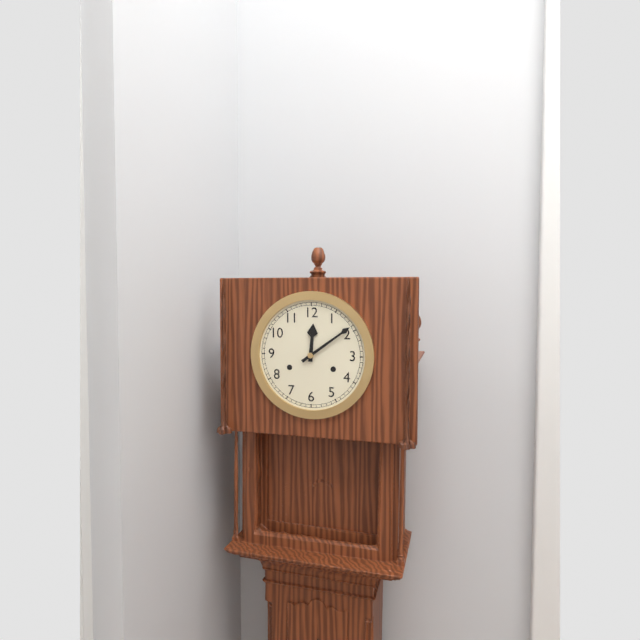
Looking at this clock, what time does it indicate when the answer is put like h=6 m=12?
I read h=12 m=9
